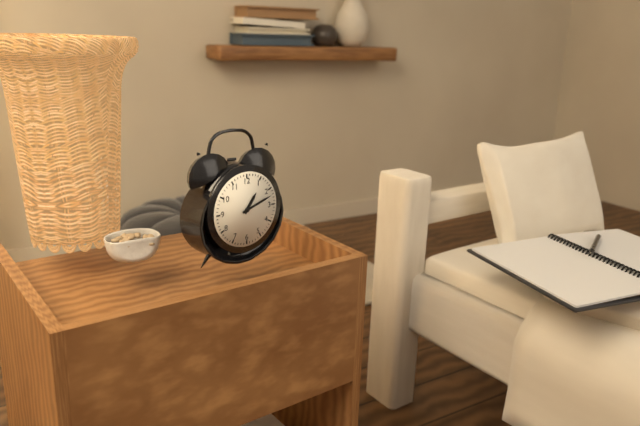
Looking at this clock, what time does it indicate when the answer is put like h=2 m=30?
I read h=1 m=12
